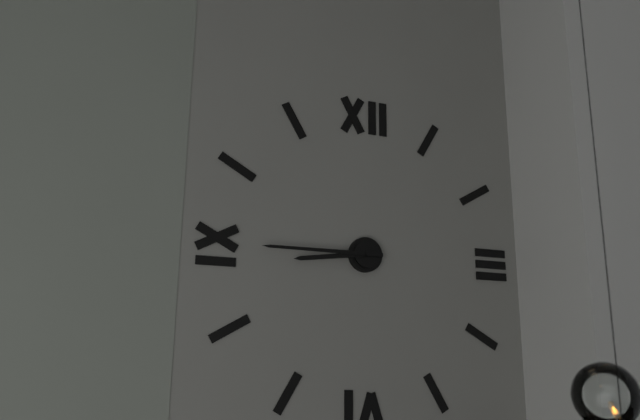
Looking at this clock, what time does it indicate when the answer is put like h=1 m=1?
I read h=8 m=45
